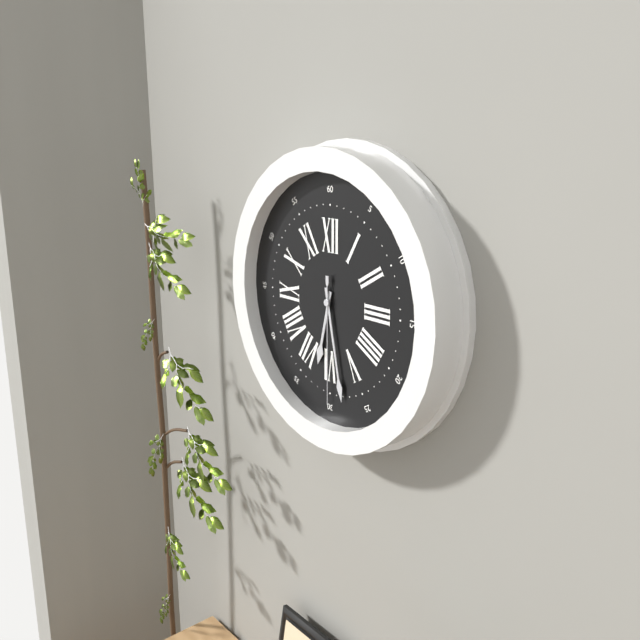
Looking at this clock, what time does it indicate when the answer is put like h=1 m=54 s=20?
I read h=6 m=28 s=30
